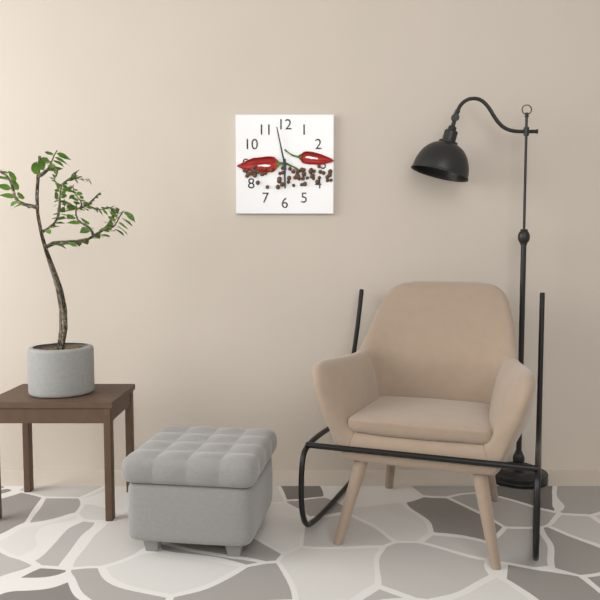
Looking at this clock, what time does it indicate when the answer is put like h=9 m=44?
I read h=5 m=58
